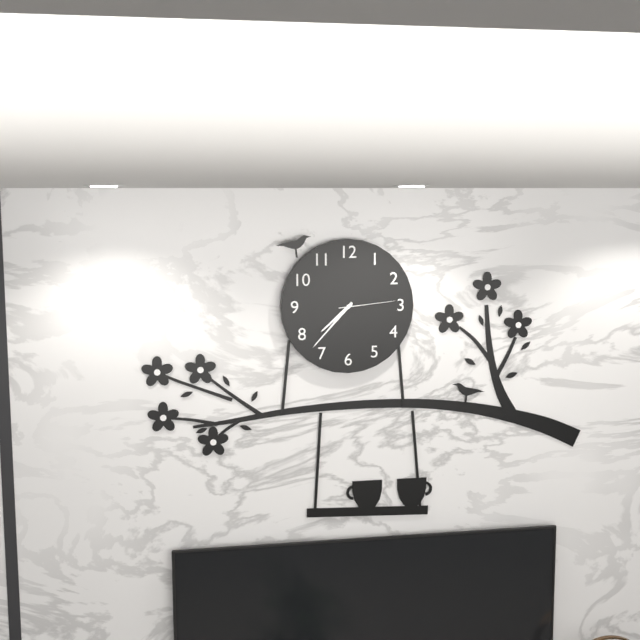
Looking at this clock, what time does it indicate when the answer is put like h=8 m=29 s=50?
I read h=7 m=37 s=14
